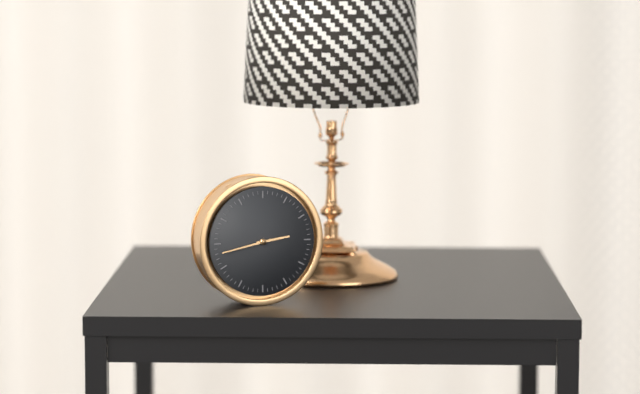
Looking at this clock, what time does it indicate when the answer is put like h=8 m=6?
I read h=2 m=43
